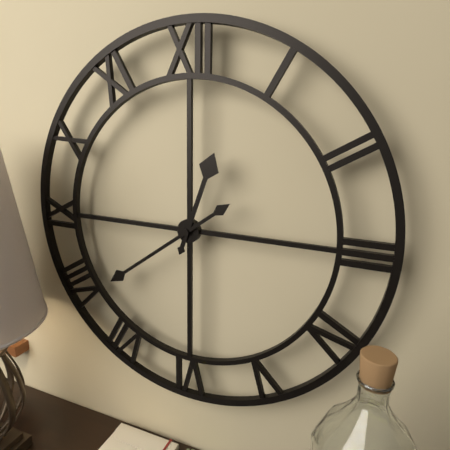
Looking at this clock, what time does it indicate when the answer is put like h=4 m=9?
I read h=12 m=39
